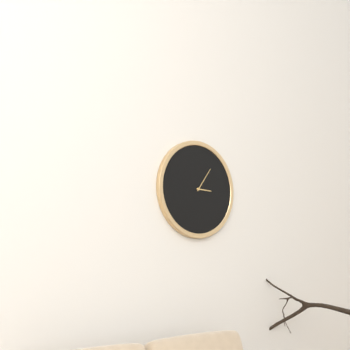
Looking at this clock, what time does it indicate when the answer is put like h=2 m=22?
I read h=3 m=6
